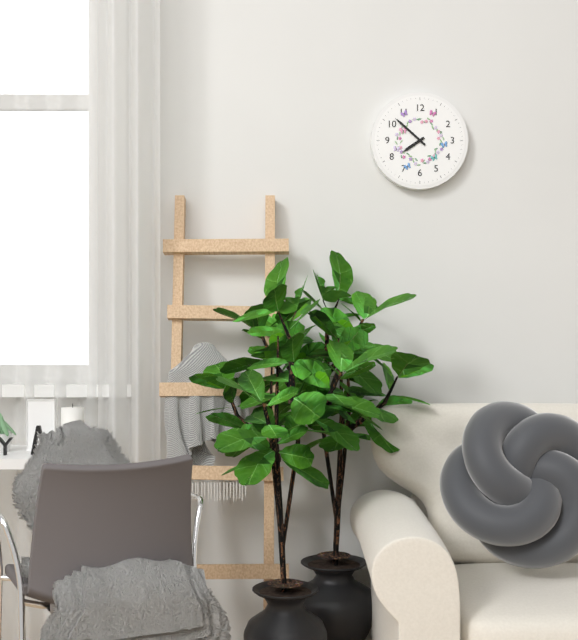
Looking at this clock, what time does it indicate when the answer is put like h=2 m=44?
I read h=7 m=52
